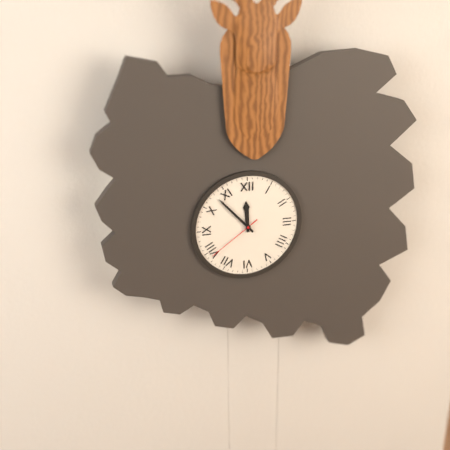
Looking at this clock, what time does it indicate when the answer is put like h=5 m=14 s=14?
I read h=11 m=53 s=39
